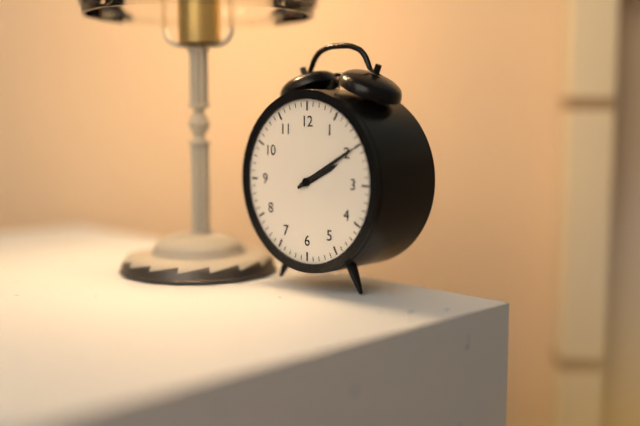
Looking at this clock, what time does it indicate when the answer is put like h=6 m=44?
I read h=2 m=10
